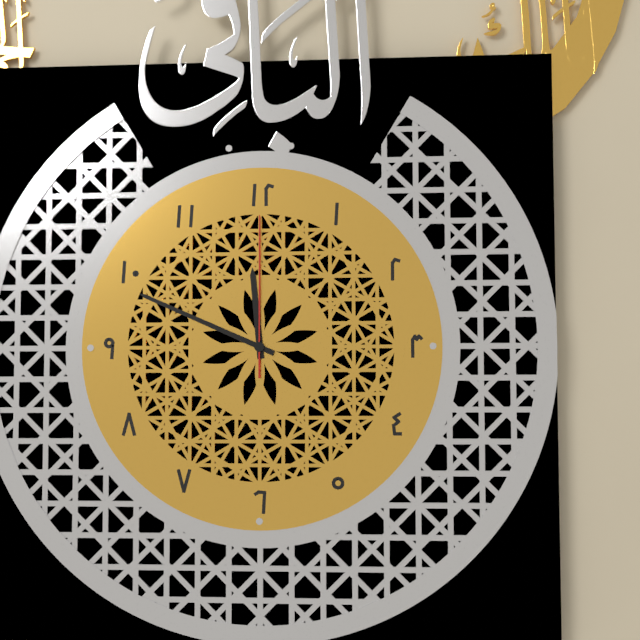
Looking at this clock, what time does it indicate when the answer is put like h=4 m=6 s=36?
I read h=11 m=49 s=0
